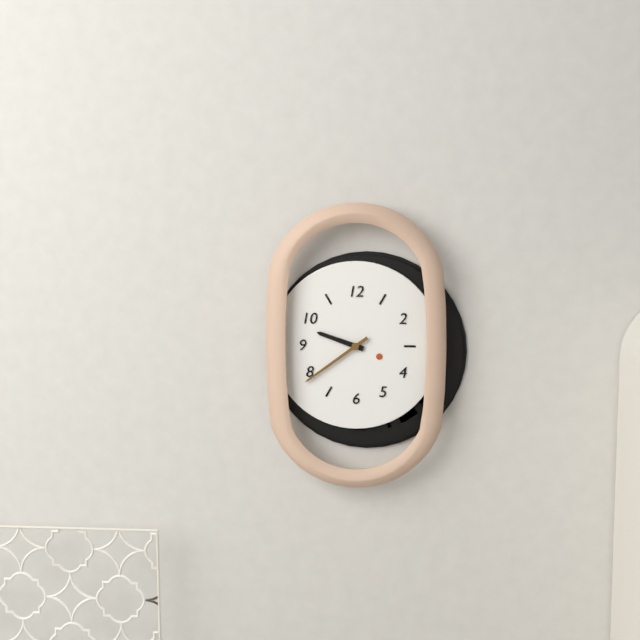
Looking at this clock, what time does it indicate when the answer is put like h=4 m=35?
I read h=9 m=39
